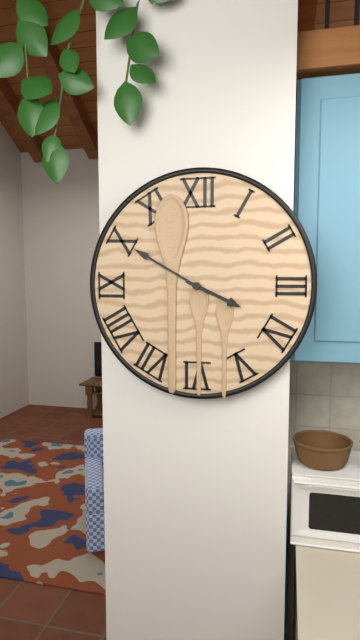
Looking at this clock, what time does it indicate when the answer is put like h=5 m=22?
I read h=3 m=50
